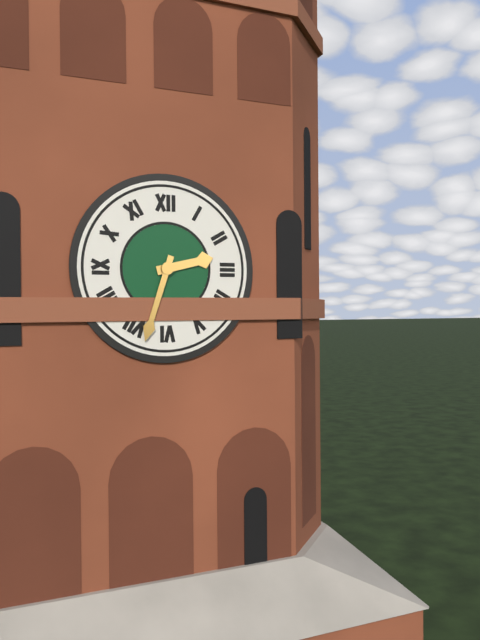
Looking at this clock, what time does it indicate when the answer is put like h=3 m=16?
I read h=2 m=33
